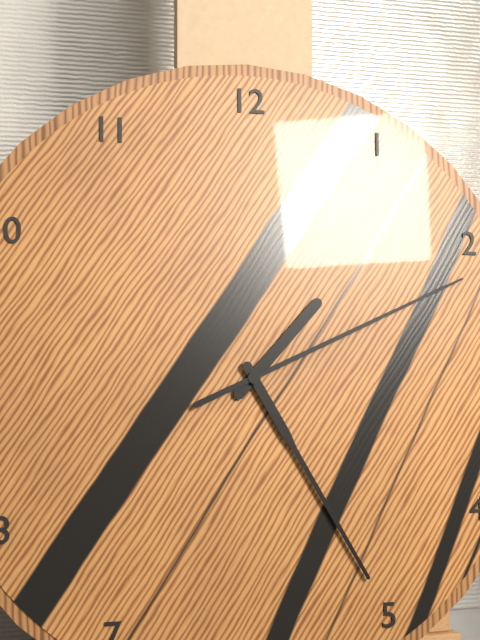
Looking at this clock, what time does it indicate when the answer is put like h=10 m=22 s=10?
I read h=1 m=25 s=11
